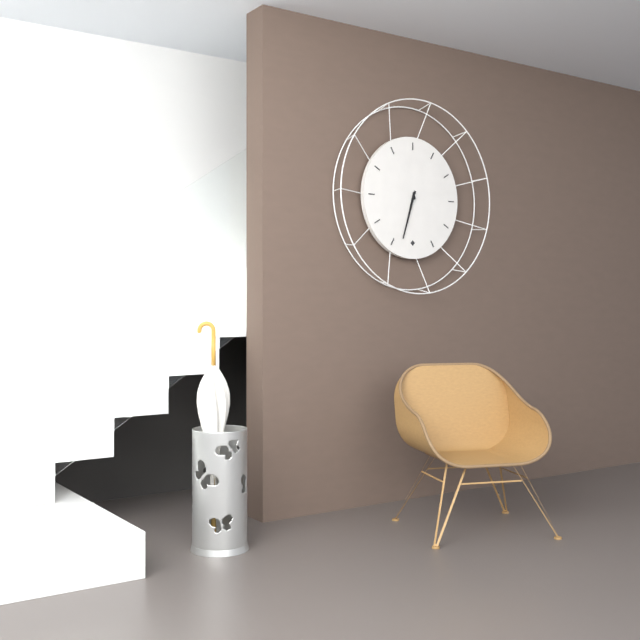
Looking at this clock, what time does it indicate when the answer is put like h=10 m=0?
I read h=6 m=33
